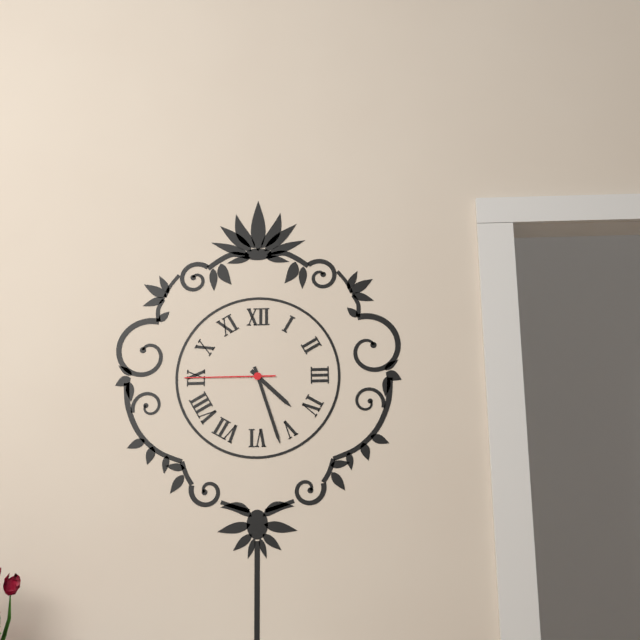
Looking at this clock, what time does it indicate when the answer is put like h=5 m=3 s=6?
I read h=4 m=27 s=45
